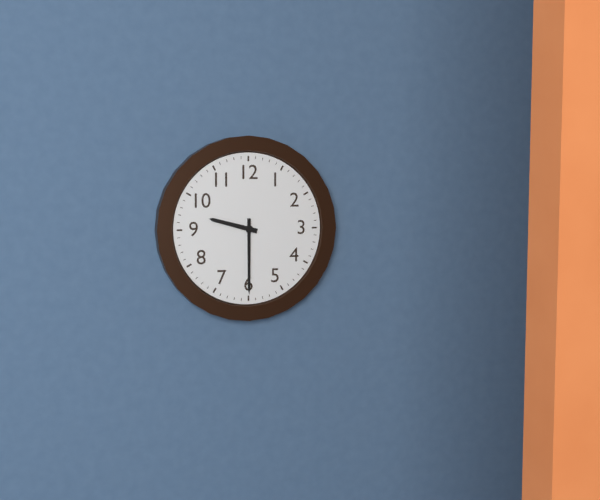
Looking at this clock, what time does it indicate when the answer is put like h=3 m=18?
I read h=9 m=30
